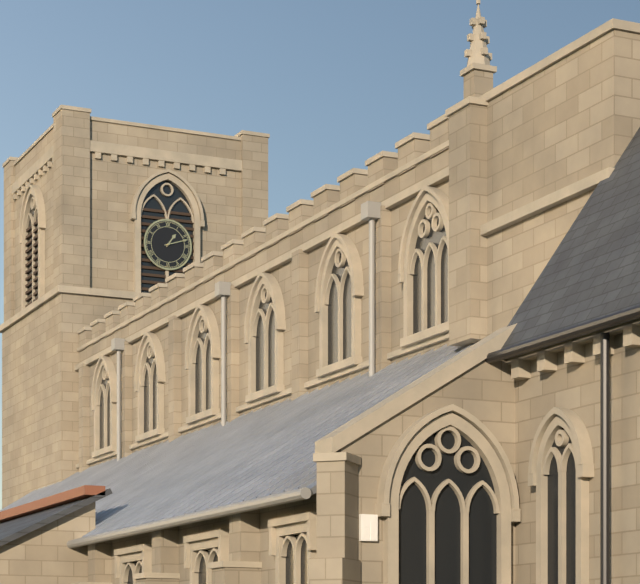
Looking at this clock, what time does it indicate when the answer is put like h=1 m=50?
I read h=1 m=12
